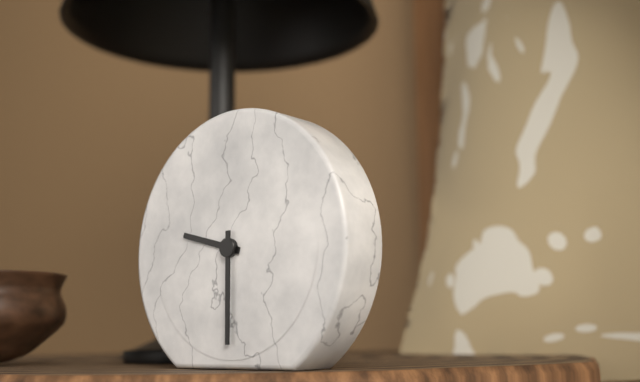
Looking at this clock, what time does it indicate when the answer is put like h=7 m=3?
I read h=9 m=30
